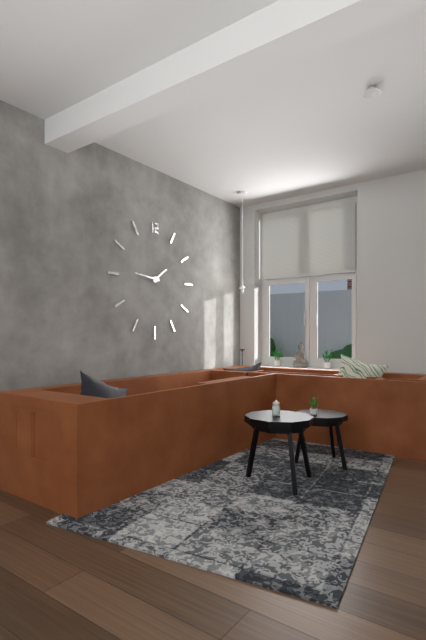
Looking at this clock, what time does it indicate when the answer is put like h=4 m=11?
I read h=1 m=46
